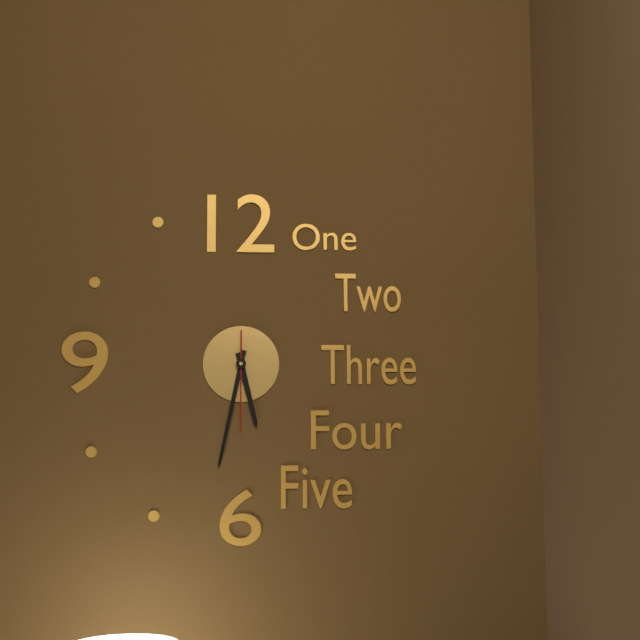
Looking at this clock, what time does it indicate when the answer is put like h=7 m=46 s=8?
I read h=5 m=32 s=30
